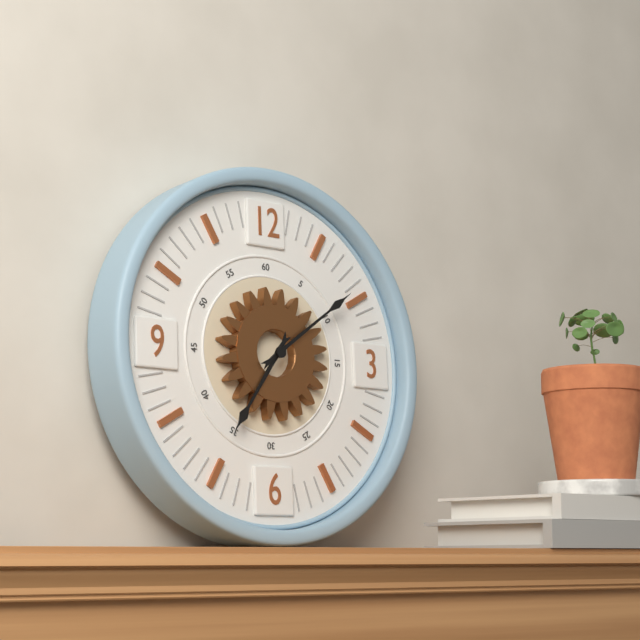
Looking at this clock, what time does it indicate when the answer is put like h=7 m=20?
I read h=7 m=9
